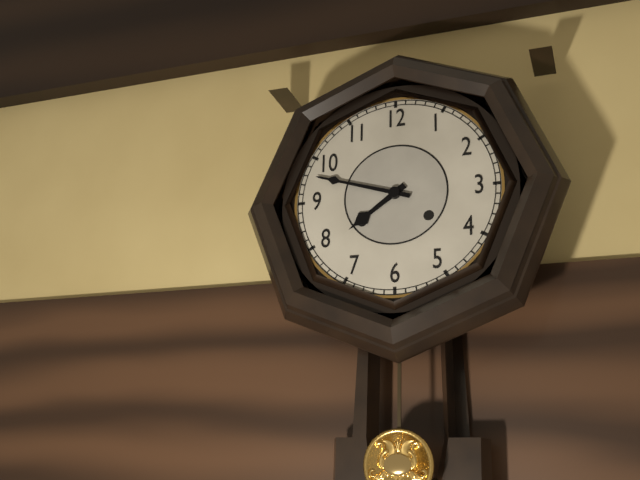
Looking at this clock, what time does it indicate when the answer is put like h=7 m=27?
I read h=7 m=48
